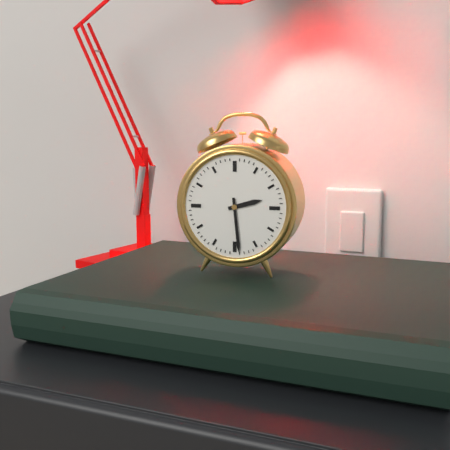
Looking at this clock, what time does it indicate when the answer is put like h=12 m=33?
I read h=2 m=29
